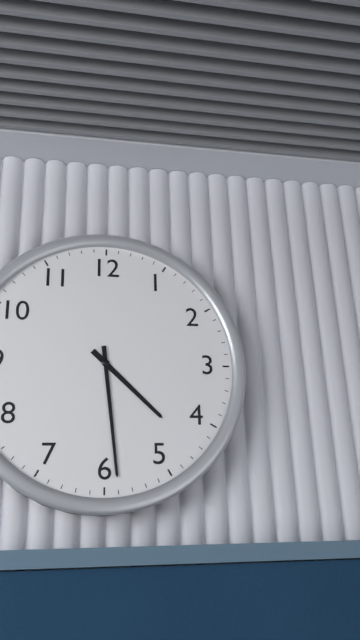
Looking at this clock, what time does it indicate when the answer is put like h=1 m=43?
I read h=4 m=29
